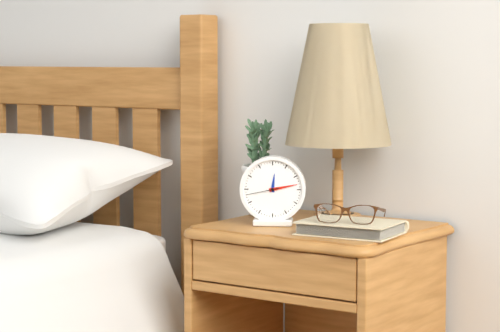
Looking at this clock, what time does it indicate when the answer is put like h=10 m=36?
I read h=12 m=13
